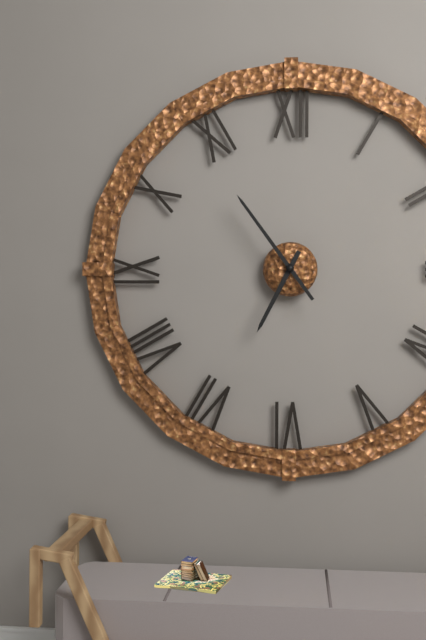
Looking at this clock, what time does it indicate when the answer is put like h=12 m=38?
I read h=6 m=54
